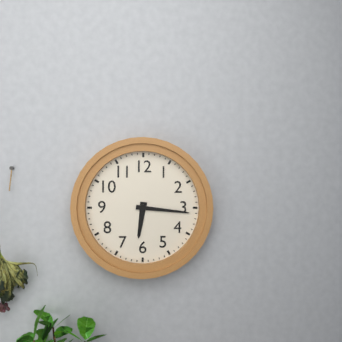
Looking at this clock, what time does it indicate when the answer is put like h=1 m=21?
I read h=6 m=16
